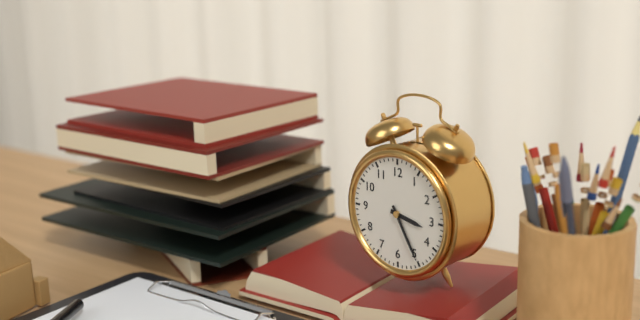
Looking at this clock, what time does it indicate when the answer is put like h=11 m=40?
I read h=3 m=25
